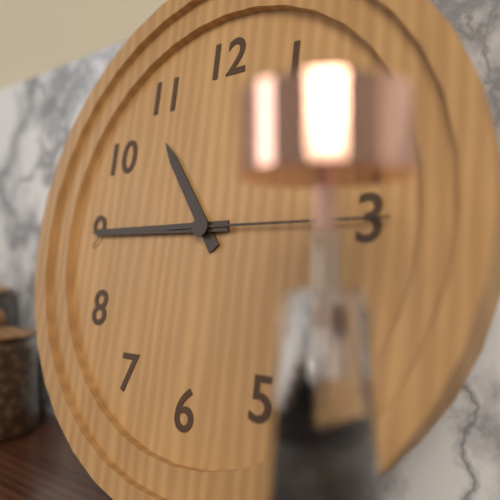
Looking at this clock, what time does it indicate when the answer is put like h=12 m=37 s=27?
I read h=10 m=45 s=15
